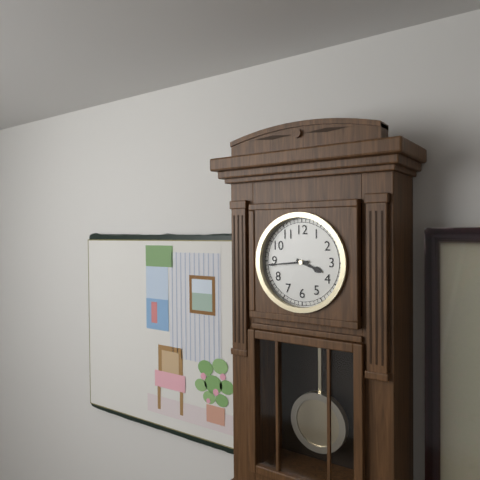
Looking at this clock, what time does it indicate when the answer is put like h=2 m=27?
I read h=3 m=44
